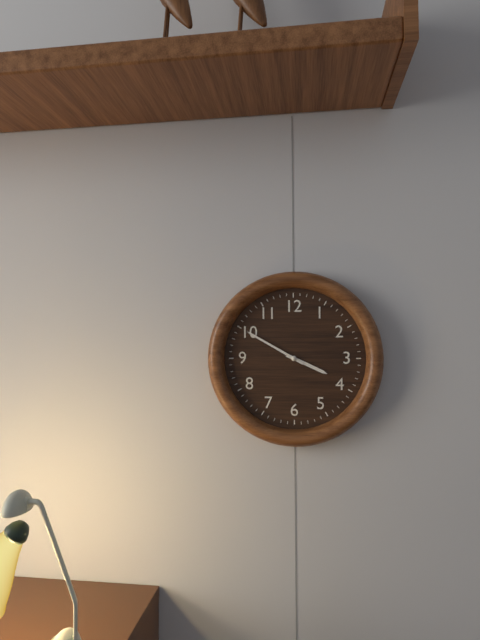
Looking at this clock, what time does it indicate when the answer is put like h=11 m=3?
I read h=3 m=50
